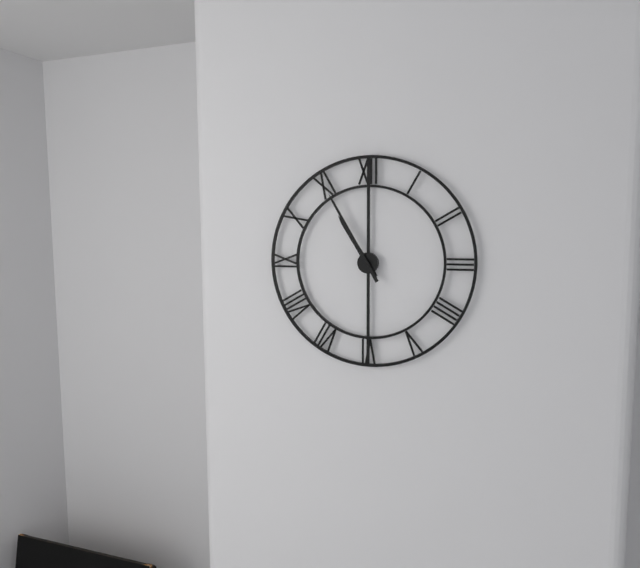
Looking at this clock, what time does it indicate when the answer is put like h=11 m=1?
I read h=10 m=55
